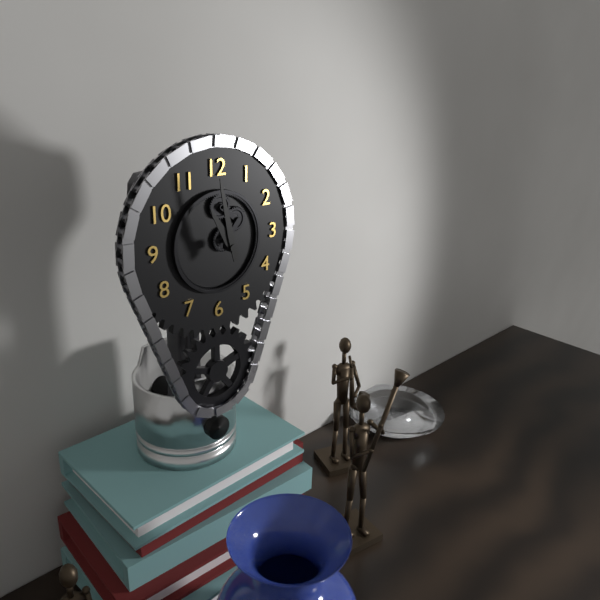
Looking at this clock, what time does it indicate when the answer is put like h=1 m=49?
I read h=10 m=58
